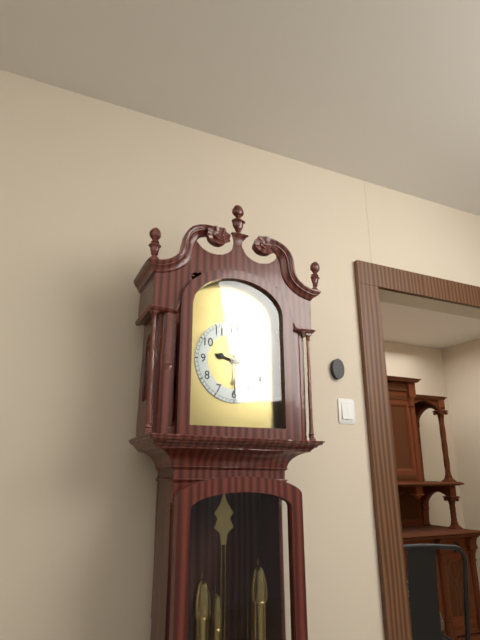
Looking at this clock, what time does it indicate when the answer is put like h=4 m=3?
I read h=9 m=30
